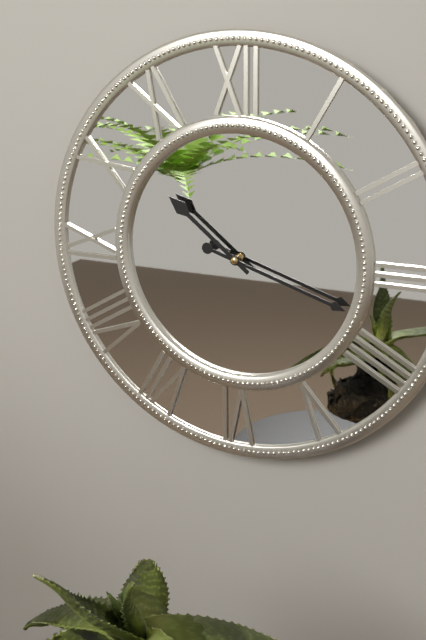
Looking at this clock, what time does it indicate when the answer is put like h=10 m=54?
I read h=10 m=18
